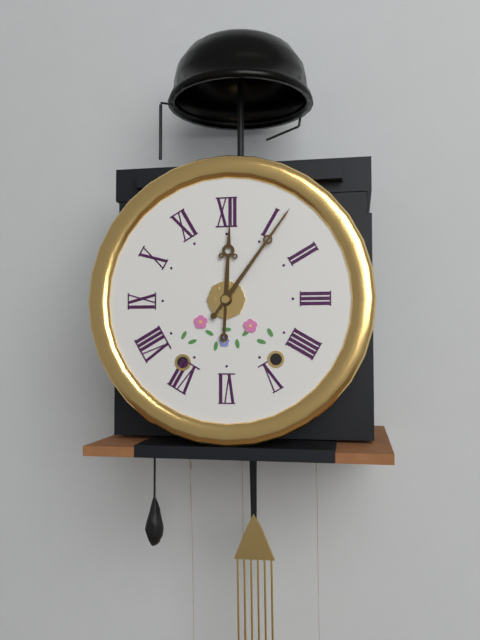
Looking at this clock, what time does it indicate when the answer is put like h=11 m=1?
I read h=12 m=6
